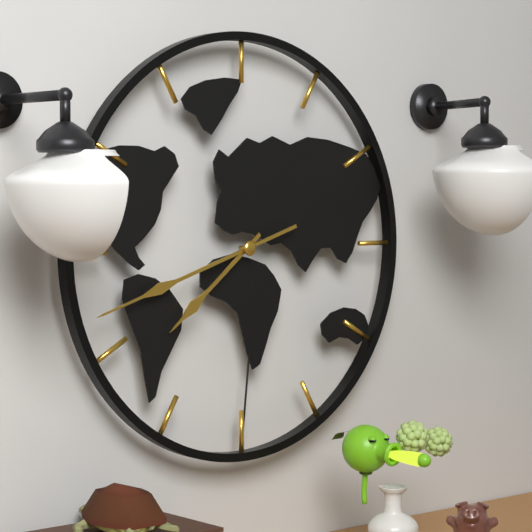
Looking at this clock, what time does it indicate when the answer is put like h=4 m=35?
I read h=7 m=42
